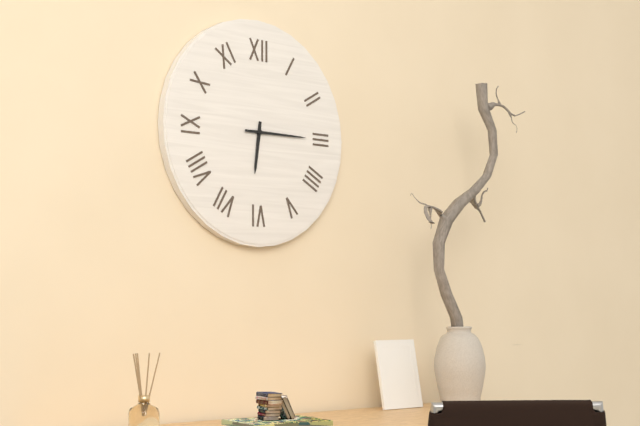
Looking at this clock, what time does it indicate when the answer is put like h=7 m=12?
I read h=6 m=15
